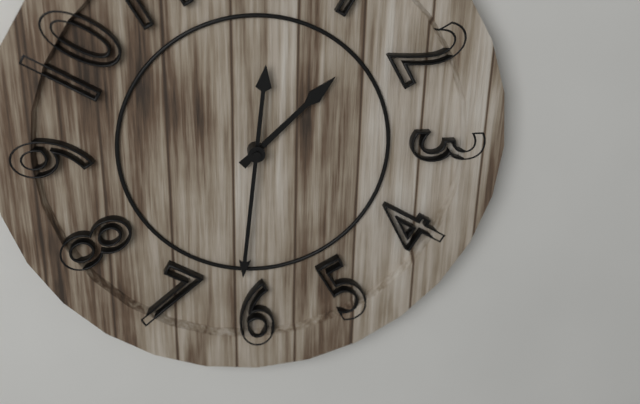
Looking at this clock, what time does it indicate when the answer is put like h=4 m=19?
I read h=1 m=31
